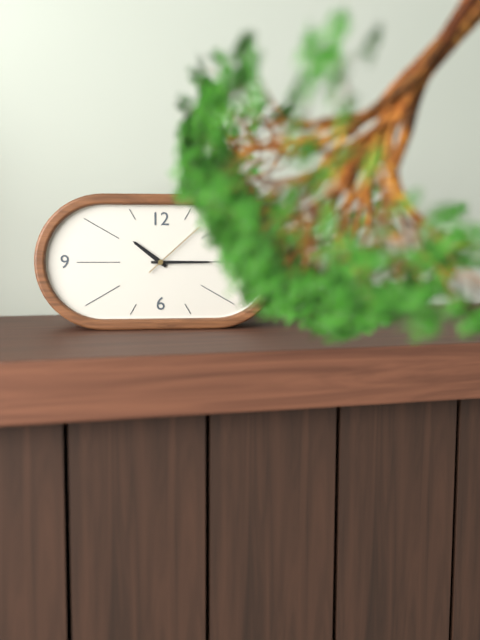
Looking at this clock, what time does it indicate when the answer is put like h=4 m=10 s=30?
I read h=10 m=15 s=8
